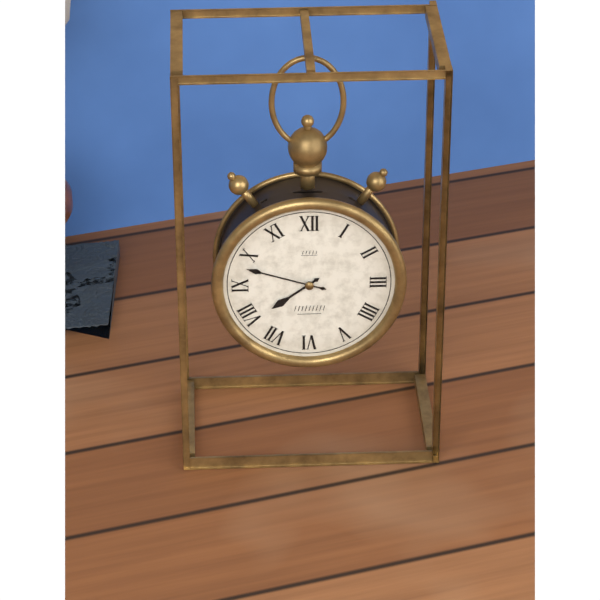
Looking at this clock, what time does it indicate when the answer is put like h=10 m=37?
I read h=7 m=48
